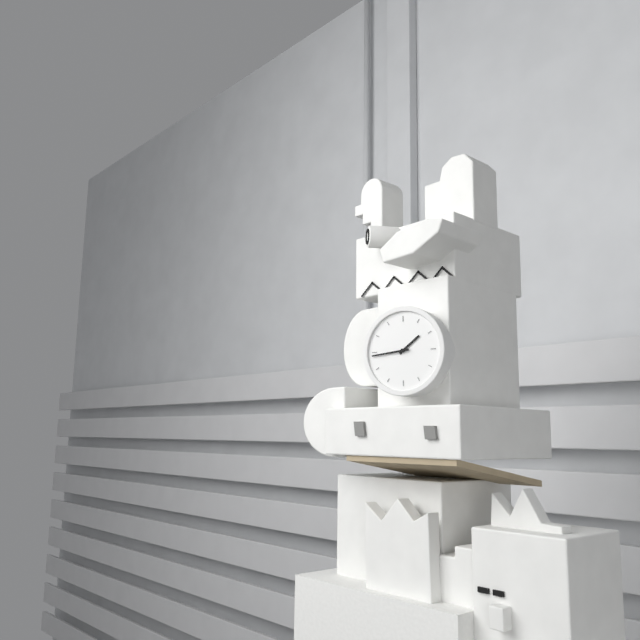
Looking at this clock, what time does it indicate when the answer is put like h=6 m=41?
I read h=1 m=44
